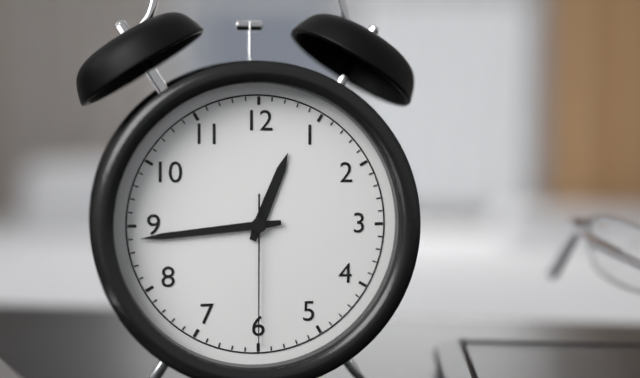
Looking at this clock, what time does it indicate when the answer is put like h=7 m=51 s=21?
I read h=12 m=44 s=30
